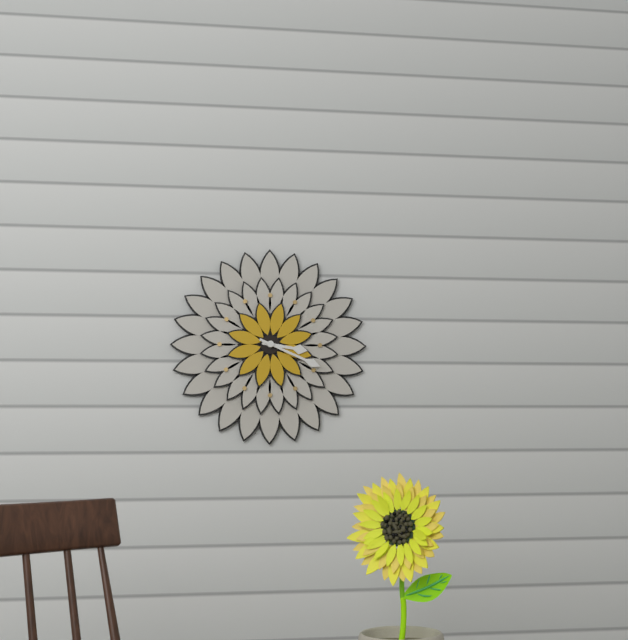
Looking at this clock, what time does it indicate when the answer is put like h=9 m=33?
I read h=3 m=19
